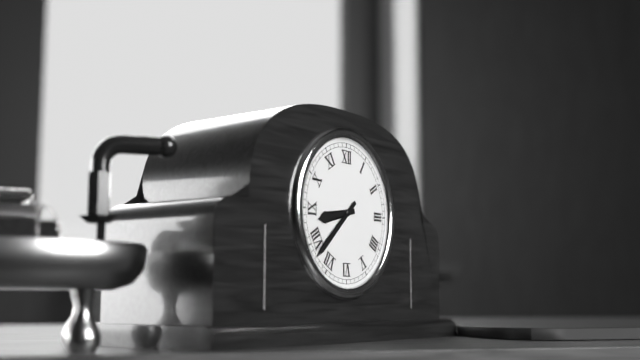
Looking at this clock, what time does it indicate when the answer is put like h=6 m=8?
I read h=8 m=38
